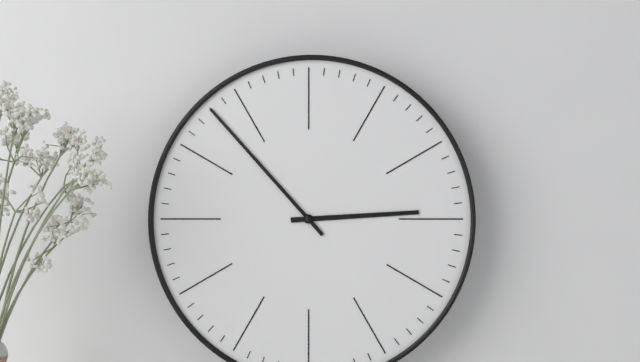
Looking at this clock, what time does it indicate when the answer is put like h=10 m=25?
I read h=2 m=53
